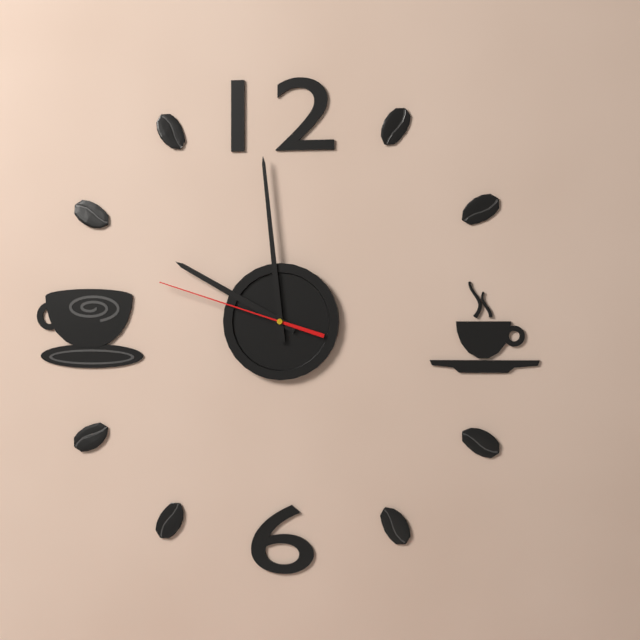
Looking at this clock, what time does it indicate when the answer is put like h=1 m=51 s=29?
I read h=9 m=59 s=48
